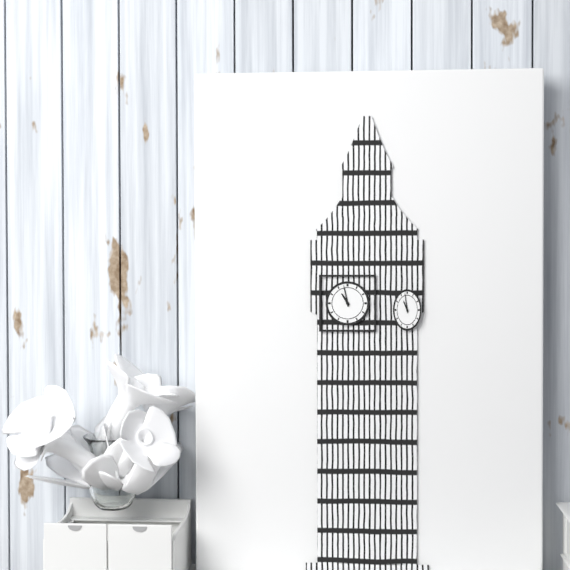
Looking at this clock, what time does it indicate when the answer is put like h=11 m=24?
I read h=10 m=58
